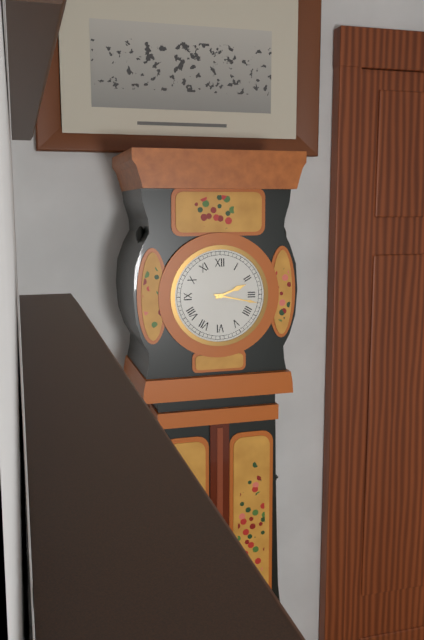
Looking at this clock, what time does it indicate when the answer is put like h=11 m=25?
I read h=2 m=17
